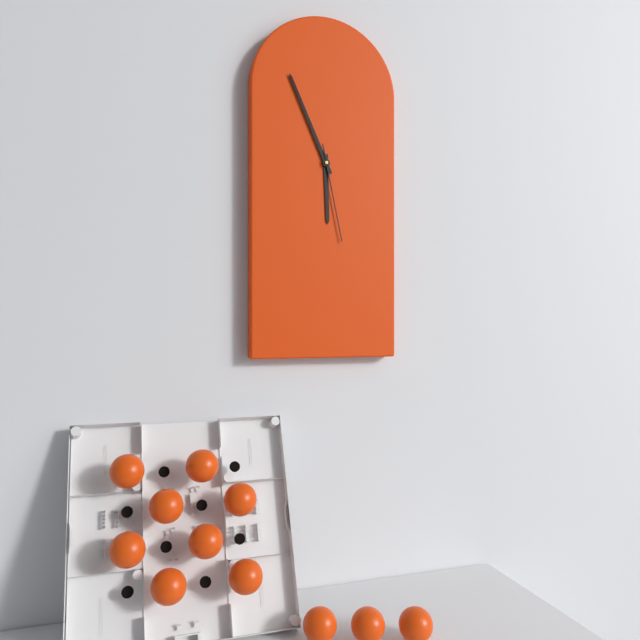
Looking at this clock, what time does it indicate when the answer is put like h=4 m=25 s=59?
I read h=5 m=56 s=28
